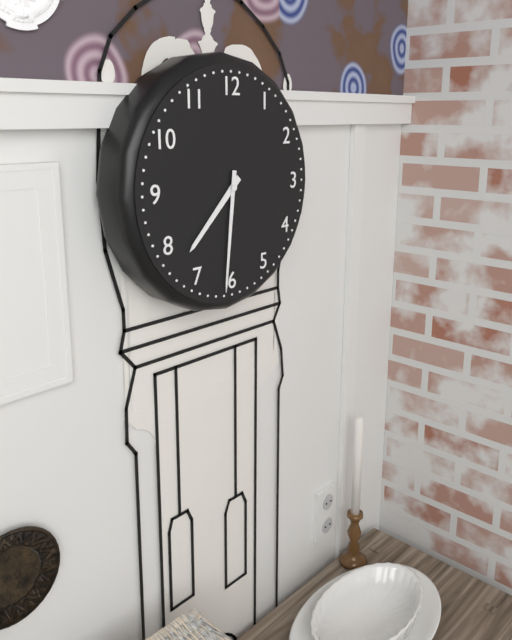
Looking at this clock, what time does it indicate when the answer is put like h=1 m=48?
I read h=7 m=31
